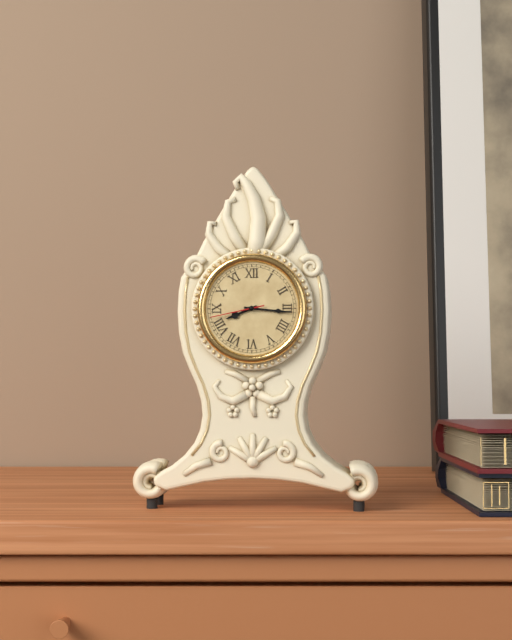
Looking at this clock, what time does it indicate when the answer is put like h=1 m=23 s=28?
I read h=8 m=16 s=43
